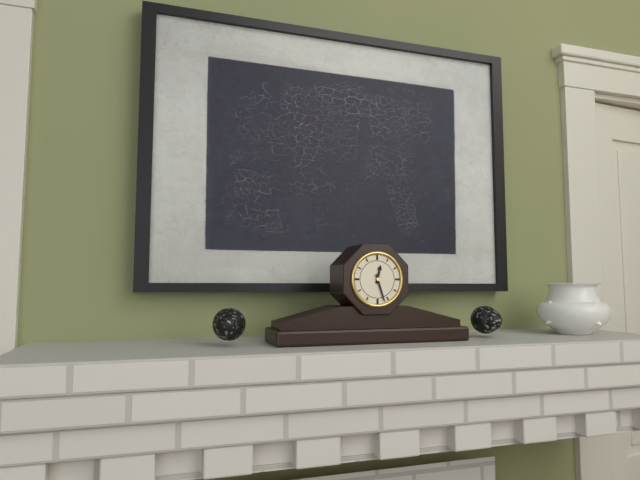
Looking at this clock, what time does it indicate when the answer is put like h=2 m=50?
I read h=12 m=27
